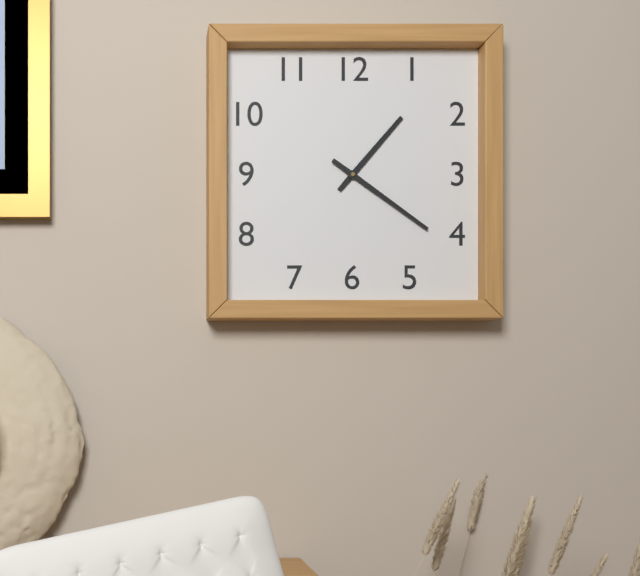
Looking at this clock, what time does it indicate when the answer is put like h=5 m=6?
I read h=1 m=21
